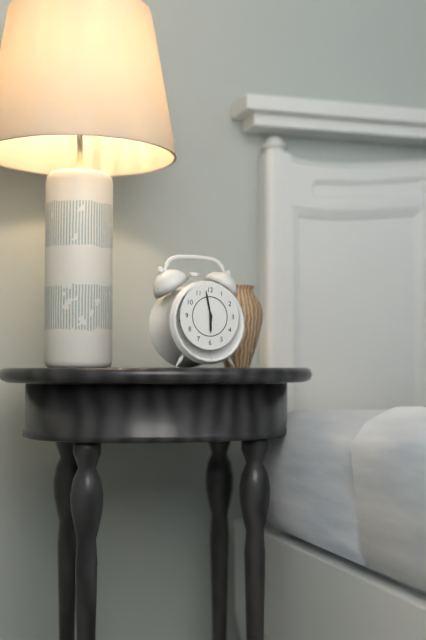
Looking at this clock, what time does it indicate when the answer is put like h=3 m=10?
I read h=5 m=58
